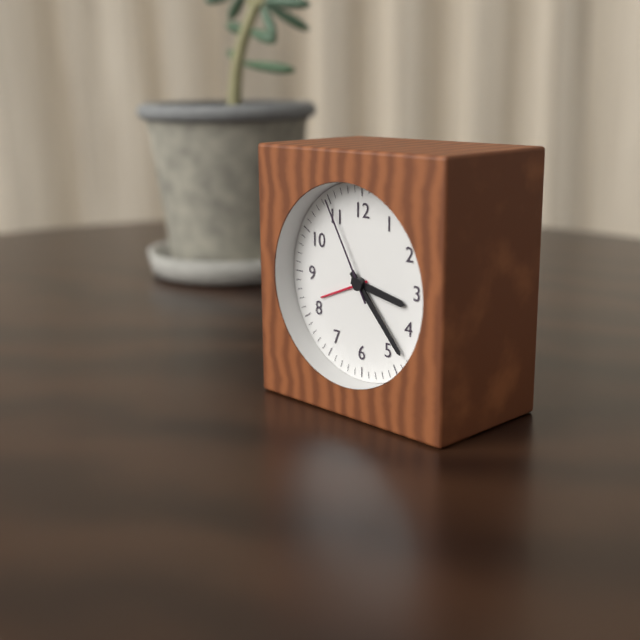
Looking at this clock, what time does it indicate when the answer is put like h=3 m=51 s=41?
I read h=3 m=23 s=55
